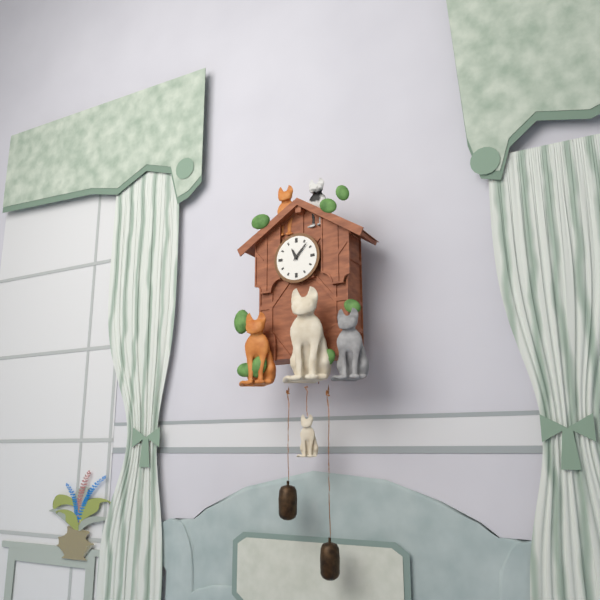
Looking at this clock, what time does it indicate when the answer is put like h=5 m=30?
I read h=11 m=7
